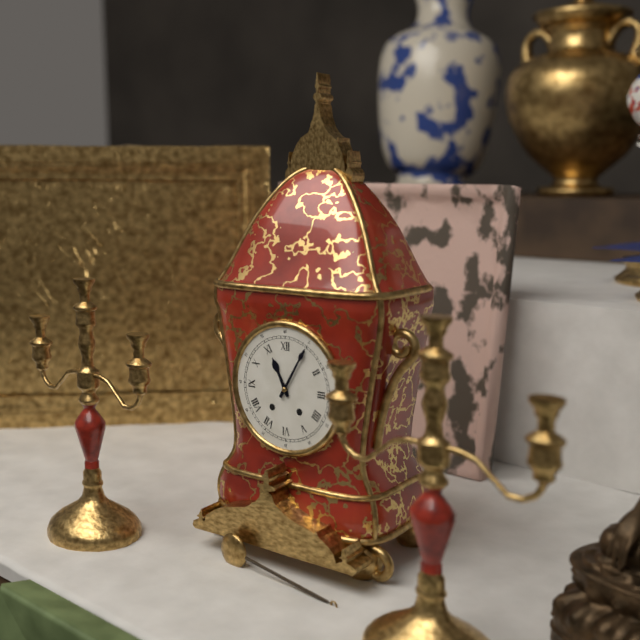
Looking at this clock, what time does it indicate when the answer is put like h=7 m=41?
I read h=11 m=5
